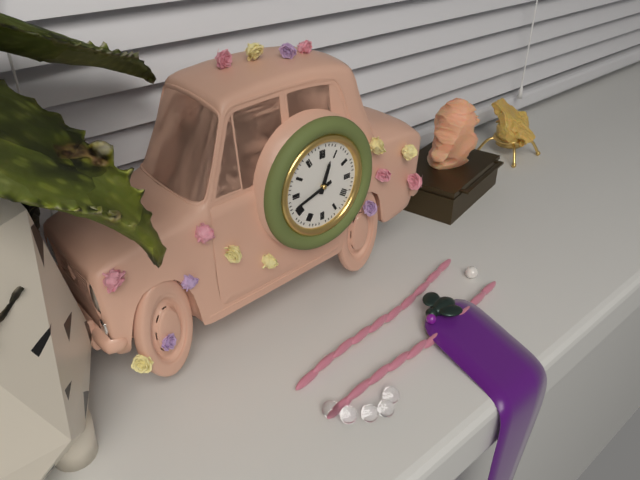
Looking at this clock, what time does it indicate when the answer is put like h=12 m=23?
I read h=12 m=42
